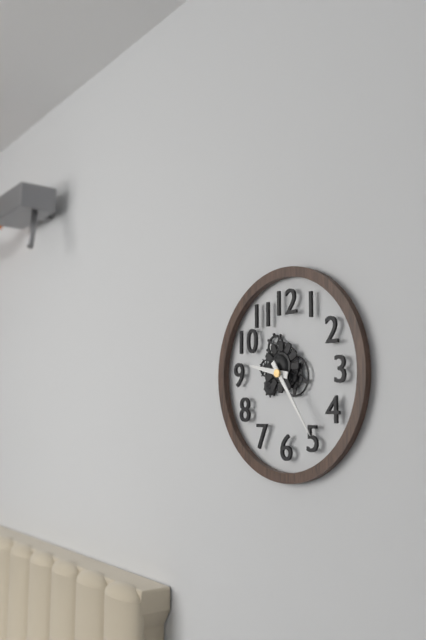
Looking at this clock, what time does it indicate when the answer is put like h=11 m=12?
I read h=9 m=24
